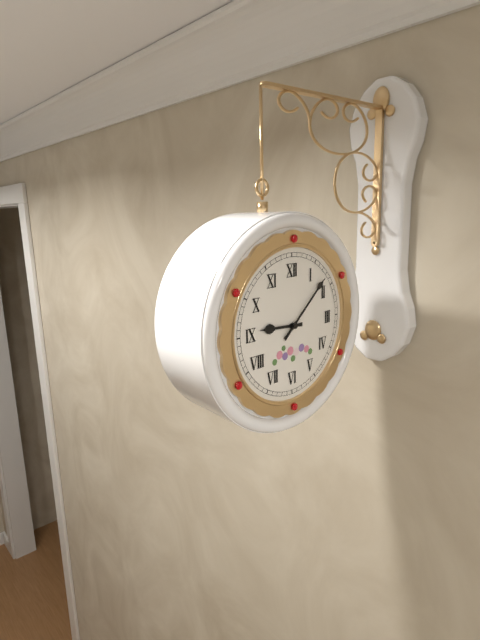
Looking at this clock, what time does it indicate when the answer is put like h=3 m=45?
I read h=9 m=8
